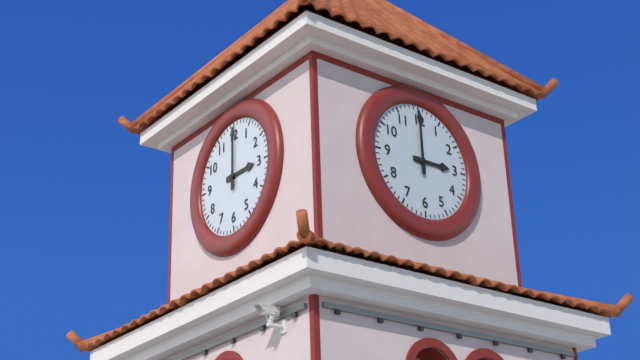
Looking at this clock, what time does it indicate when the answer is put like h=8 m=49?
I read h=3 m=0
